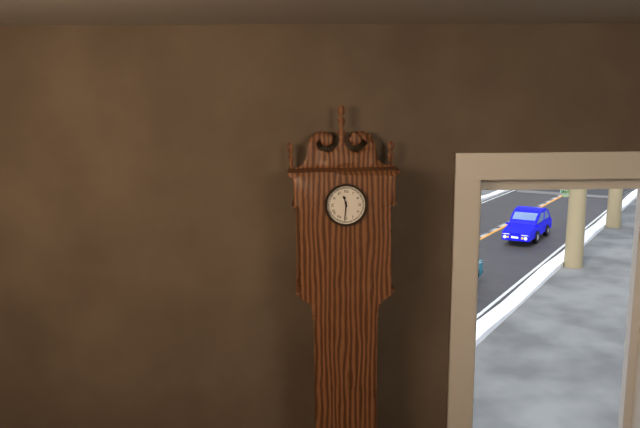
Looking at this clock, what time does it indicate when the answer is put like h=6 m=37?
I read h=11 m=31
